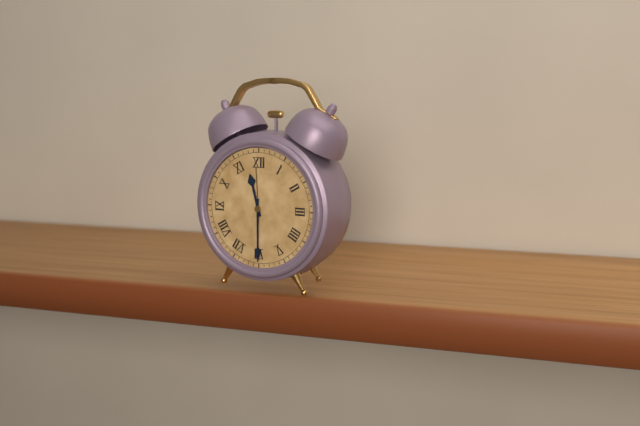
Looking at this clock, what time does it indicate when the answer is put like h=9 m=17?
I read h=11 m=30
